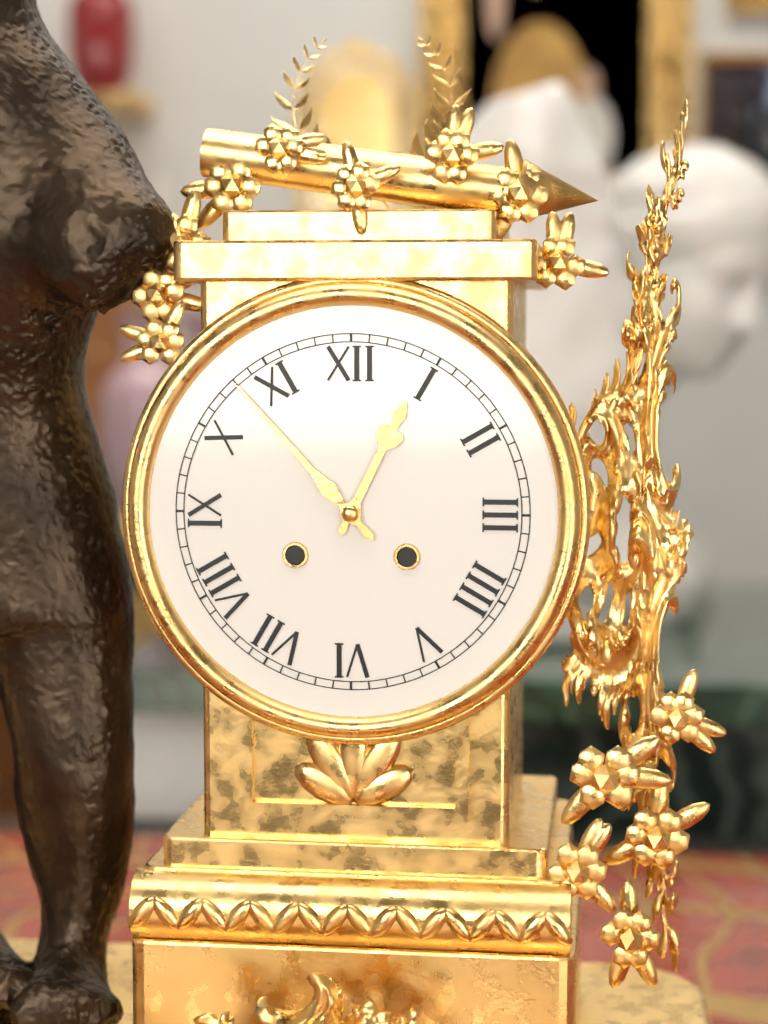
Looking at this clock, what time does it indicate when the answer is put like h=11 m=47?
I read h=12 m=53
